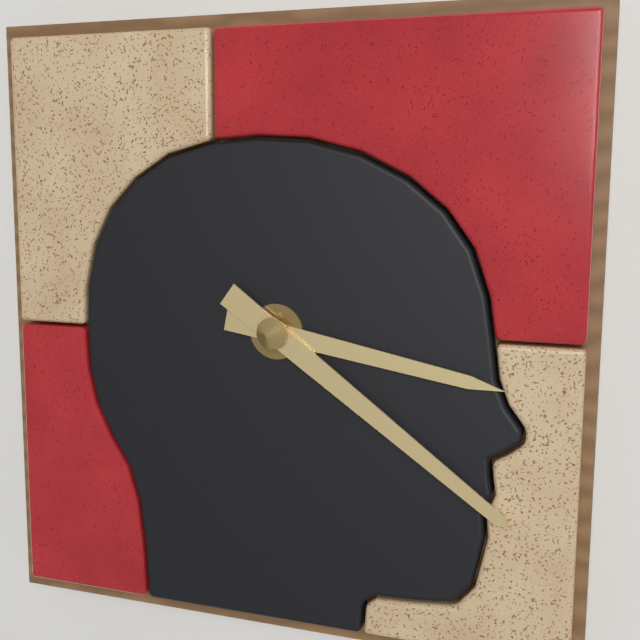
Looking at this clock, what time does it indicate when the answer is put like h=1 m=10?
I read h=3 m=21
